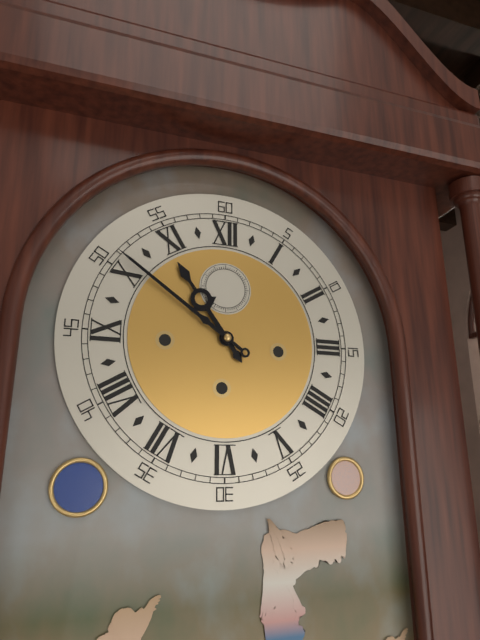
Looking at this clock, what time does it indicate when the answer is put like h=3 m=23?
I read h=10 m=51
